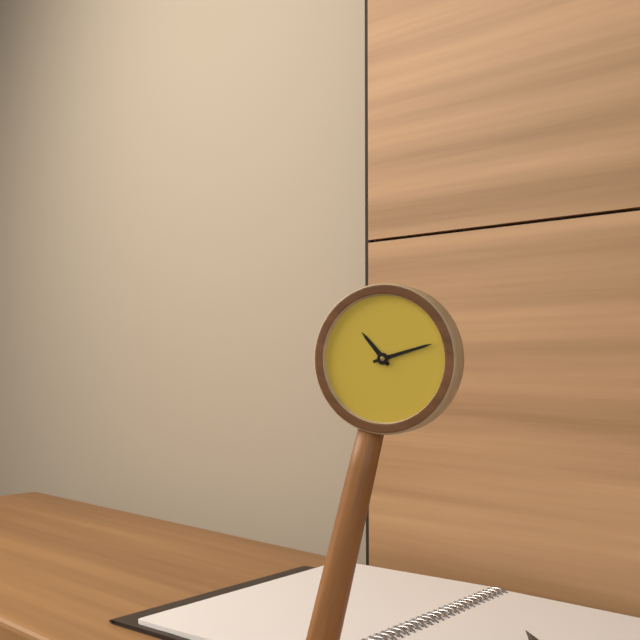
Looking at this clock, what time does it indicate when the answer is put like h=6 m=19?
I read h=10 m=10
